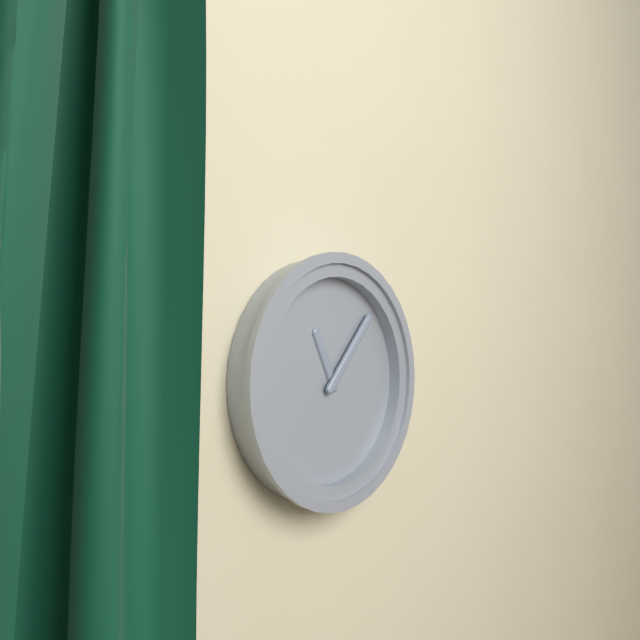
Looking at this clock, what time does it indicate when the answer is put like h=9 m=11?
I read h=11 m=7
